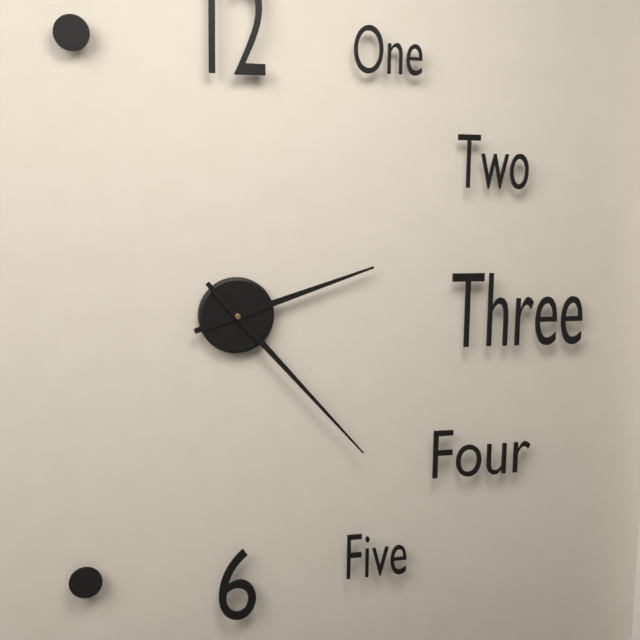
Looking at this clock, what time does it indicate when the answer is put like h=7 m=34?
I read h=2 m=23
